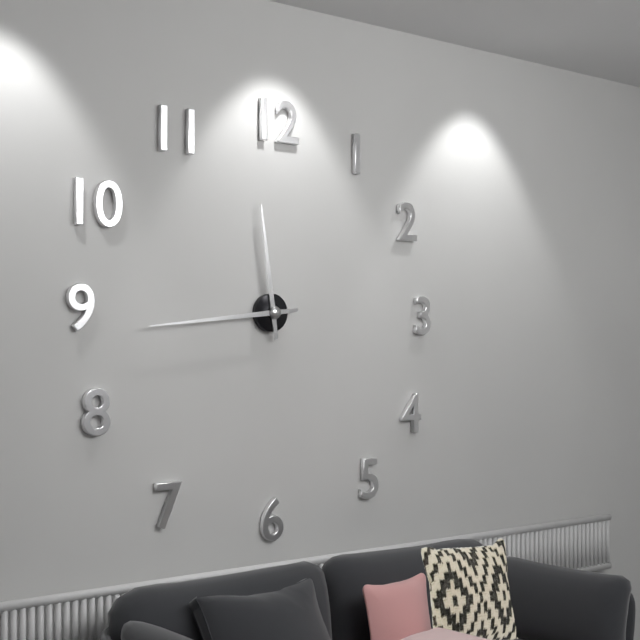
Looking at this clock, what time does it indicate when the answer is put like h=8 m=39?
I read h=11 m=44
